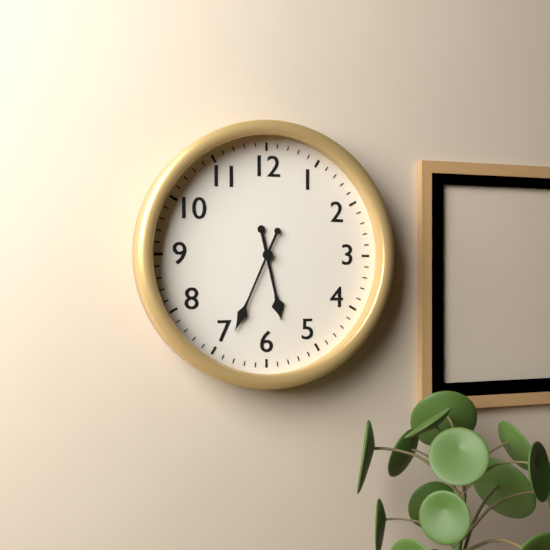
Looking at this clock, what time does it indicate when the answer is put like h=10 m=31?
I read h=5 m=34
